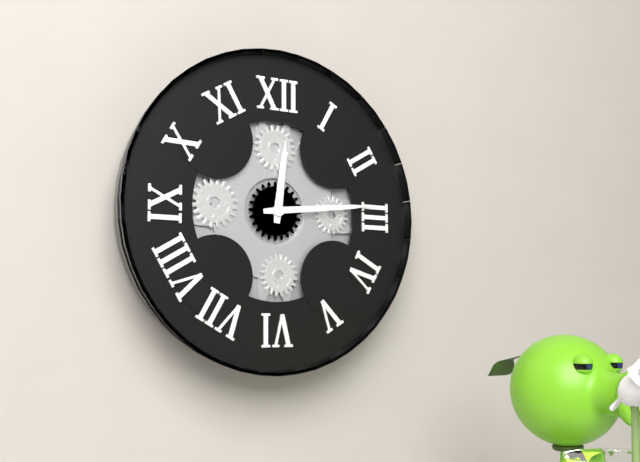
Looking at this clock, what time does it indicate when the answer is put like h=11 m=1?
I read h=12 m=14
